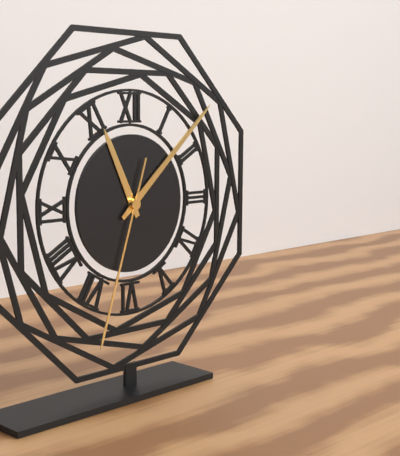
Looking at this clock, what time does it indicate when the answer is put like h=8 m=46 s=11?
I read h=11 m=8 s=33
